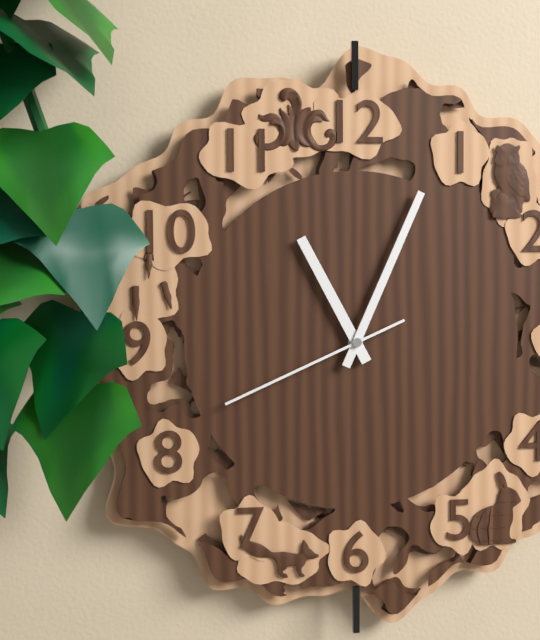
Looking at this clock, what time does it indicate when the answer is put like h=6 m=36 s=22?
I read h=11 m=4 s=41
